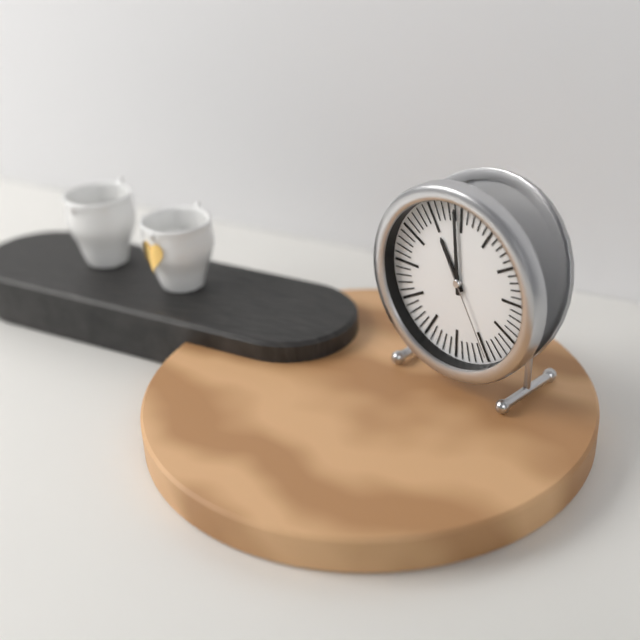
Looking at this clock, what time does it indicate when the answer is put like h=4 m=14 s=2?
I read h=10 m=59 s=25
